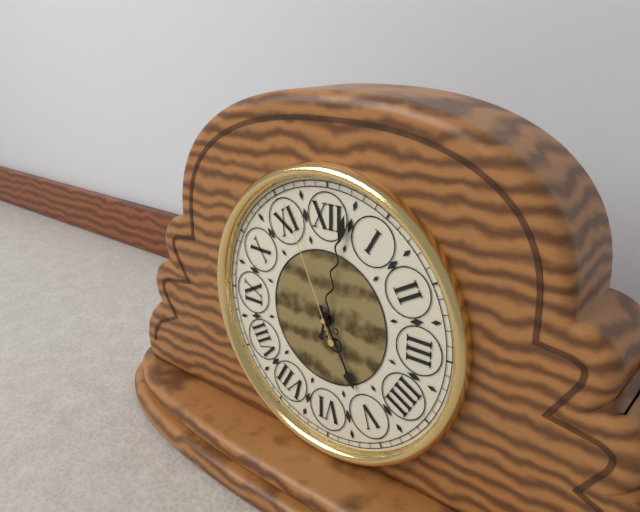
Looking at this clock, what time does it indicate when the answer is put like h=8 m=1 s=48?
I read h=5 m=2 s=56
